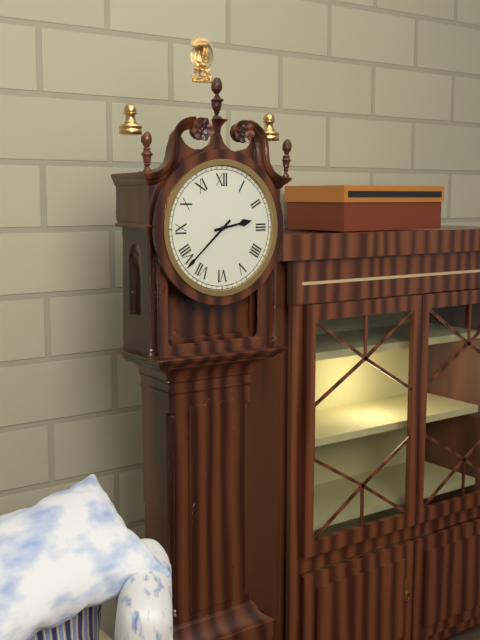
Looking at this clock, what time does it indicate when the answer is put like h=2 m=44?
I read h=2 m=38
